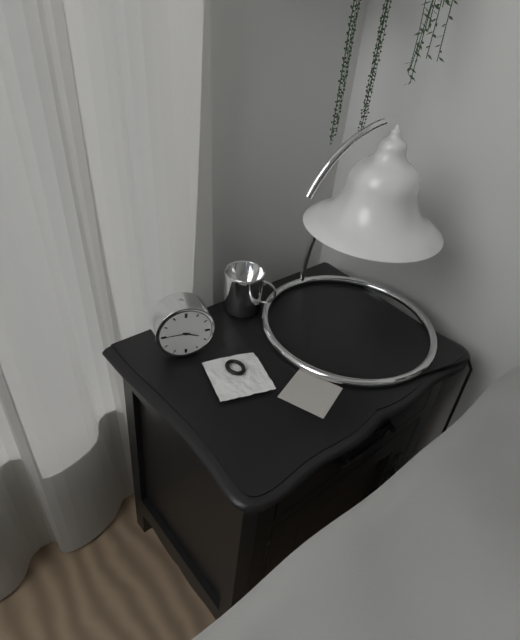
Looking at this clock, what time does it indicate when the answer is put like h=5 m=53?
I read h=3 m=45
